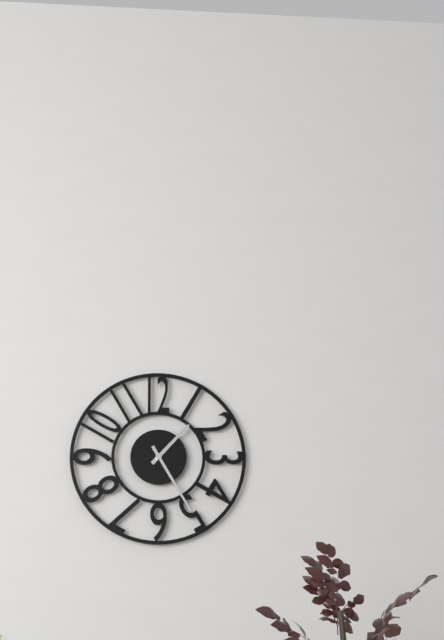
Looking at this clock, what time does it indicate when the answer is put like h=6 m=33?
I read h=1 m=25
